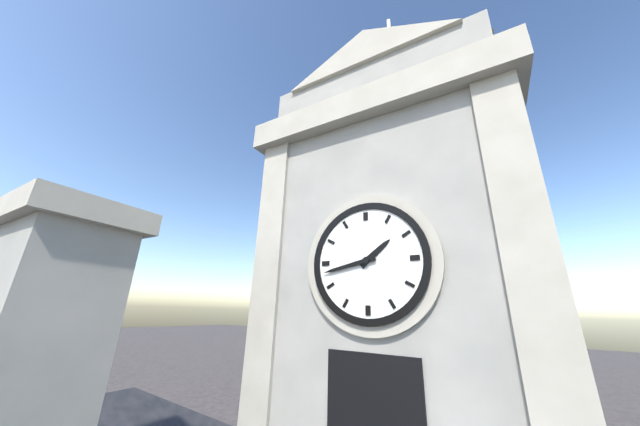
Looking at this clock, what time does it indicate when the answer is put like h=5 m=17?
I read h=1 m=43
